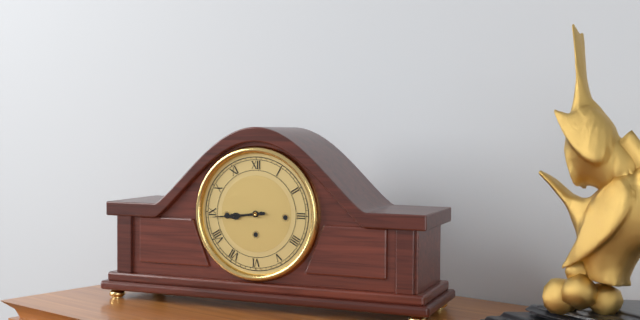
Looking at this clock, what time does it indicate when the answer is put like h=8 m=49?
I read h=8 m=44
